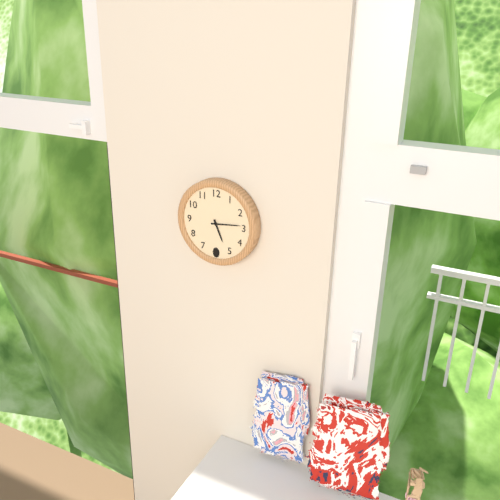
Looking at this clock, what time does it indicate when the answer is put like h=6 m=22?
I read h=5 m=14
